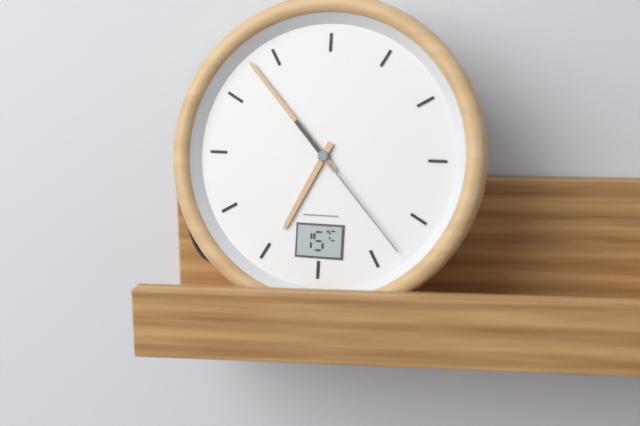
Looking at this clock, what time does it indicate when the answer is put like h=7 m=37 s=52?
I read h=6 m=53 s=23
